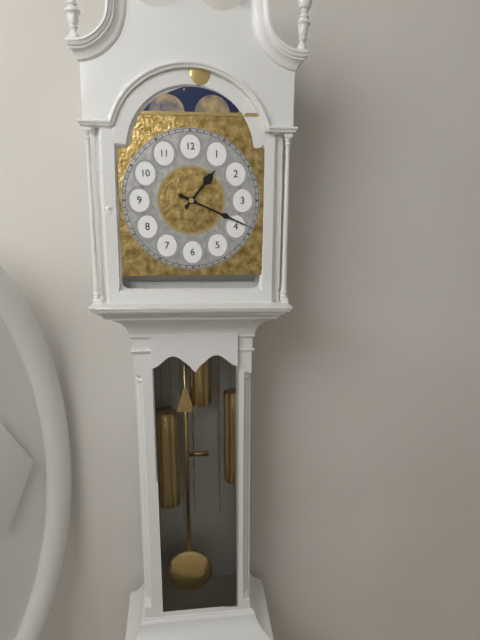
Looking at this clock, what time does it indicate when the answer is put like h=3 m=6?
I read h=1 m=19
